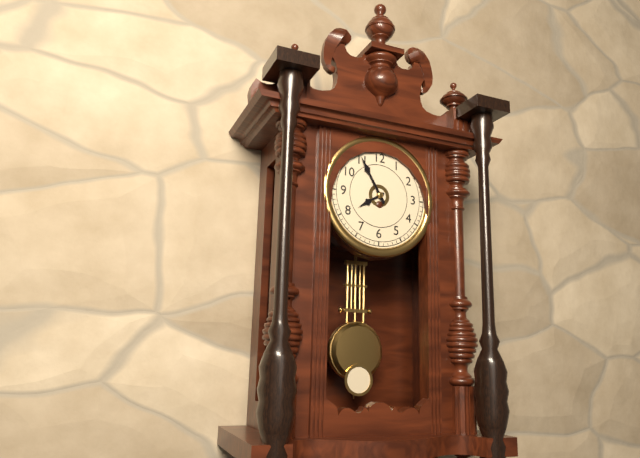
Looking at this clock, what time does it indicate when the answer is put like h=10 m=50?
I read h=7 m=55
